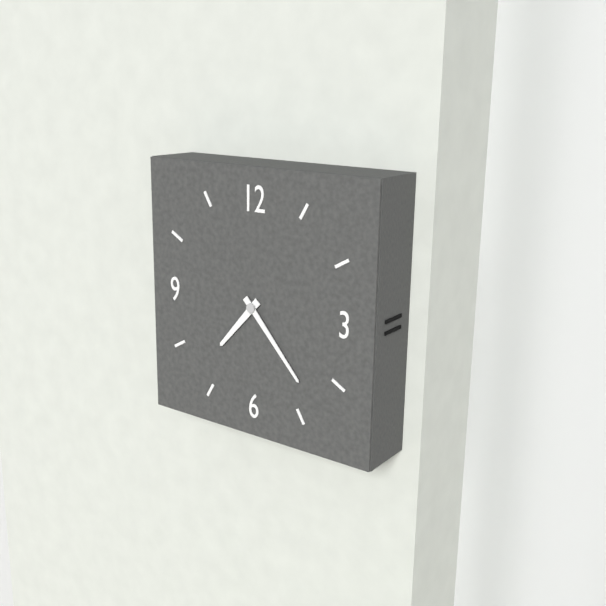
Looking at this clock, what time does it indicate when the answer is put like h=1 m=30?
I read h=7 m=23
